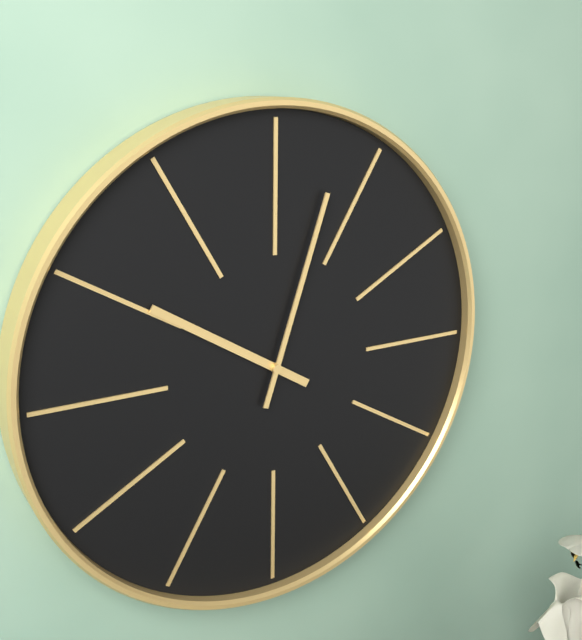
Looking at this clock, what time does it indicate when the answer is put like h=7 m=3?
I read h=10 m=3
